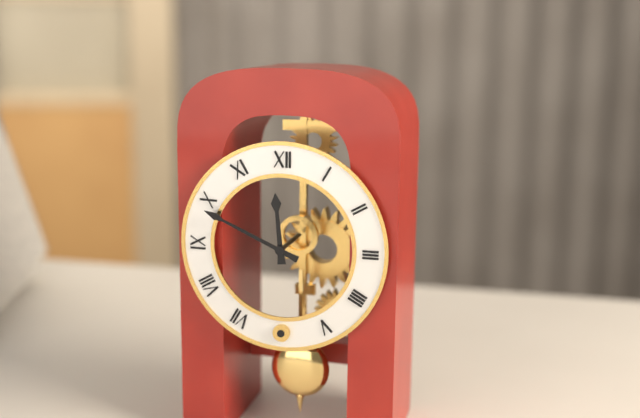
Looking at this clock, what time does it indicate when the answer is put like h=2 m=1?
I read h=11 m=49
